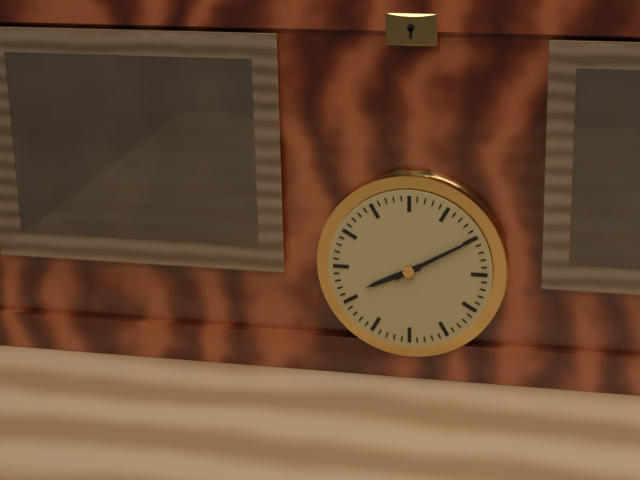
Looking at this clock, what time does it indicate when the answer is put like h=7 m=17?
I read h=8 m=10
